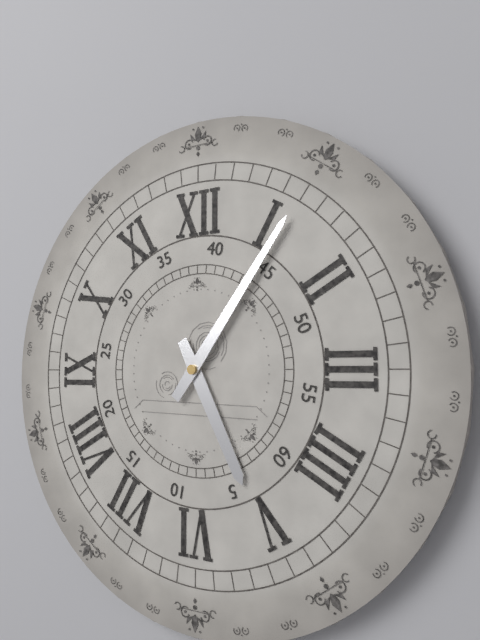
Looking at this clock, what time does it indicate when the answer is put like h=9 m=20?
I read h=5 m=6
